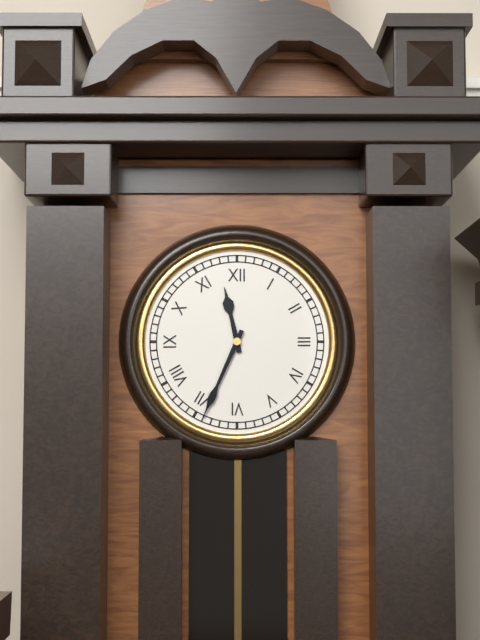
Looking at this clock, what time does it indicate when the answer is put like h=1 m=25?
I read h=11 m=34
